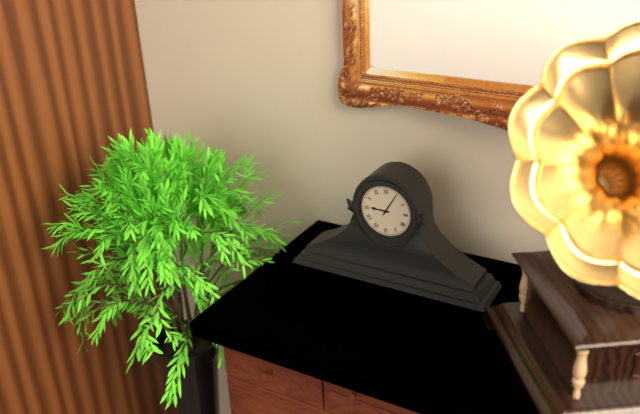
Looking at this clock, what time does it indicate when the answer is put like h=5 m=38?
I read h=9 m=5
